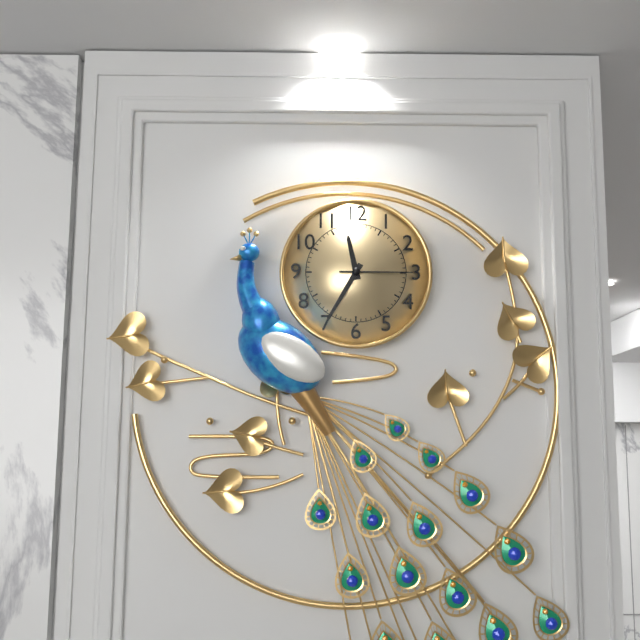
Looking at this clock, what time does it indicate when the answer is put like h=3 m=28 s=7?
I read h=11 m=35 s=15
